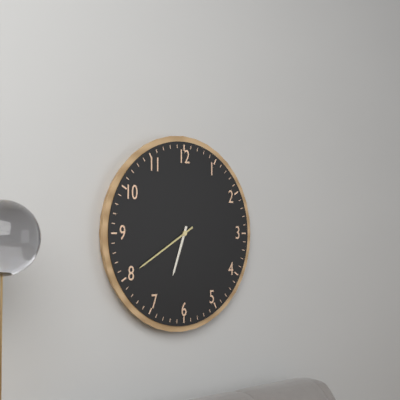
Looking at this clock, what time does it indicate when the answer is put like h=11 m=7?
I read h=6 m=40
